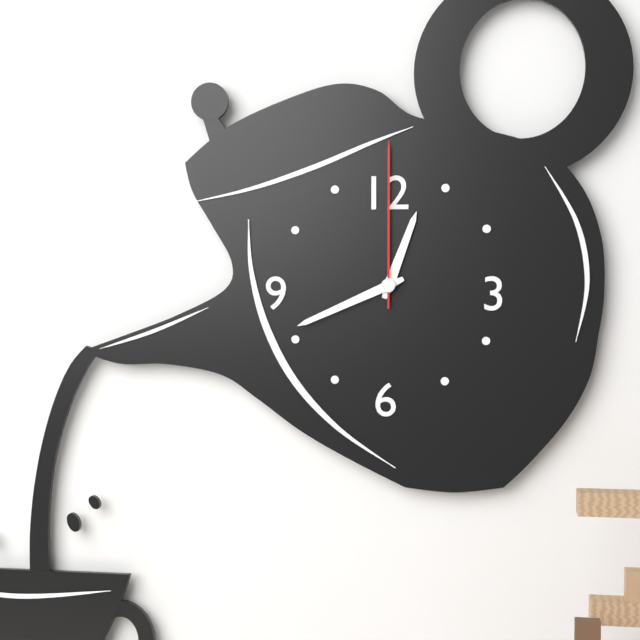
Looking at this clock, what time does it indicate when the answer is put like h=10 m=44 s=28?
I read h=12 m=41 s=0
